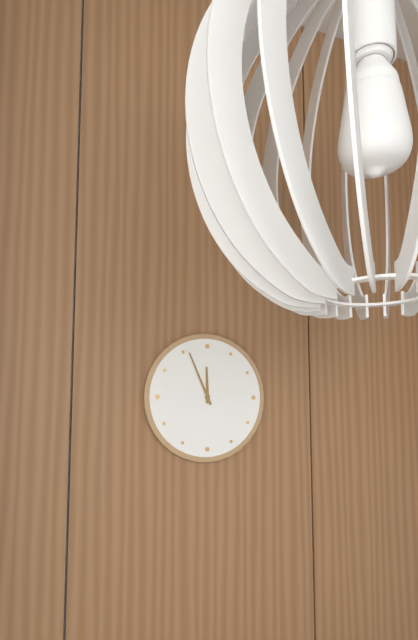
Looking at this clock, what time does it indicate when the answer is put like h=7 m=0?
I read h=11 m=56
